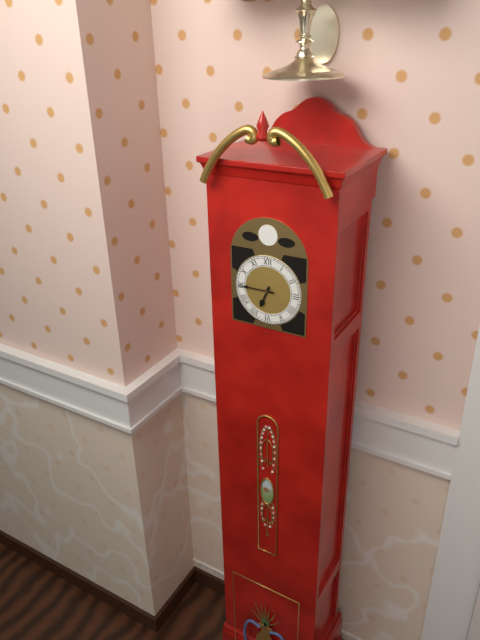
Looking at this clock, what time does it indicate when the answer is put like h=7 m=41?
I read h=6 m=45
